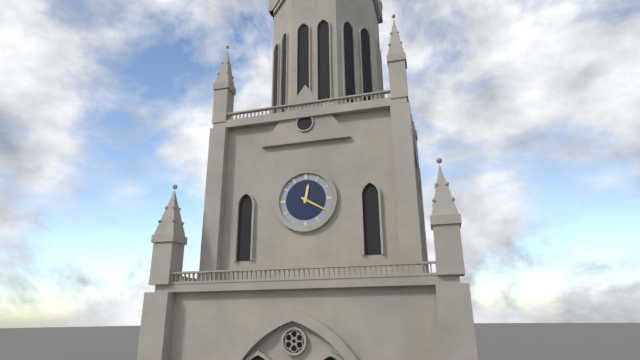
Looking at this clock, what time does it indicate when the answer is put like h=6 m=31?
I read h=12 m=20
